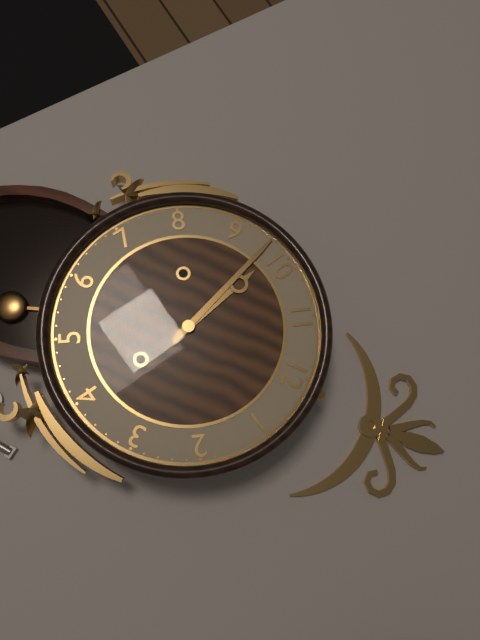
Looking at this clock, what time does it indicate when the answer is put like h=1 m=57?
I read h=9 m=48
